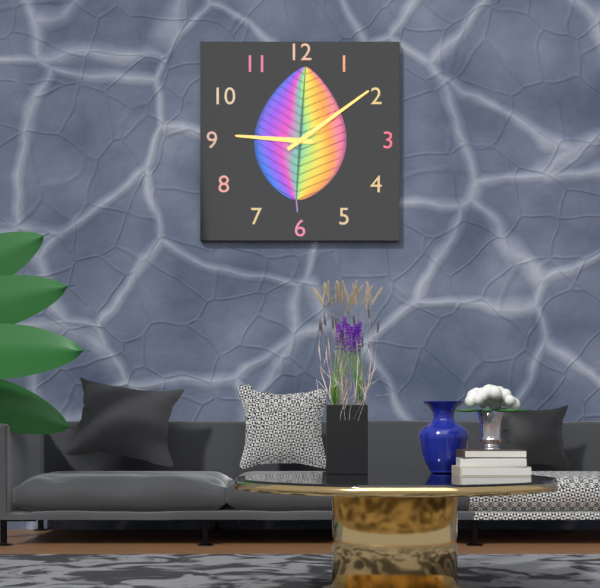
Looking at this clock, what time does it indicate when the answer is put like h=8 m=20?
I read h=9 m=9
